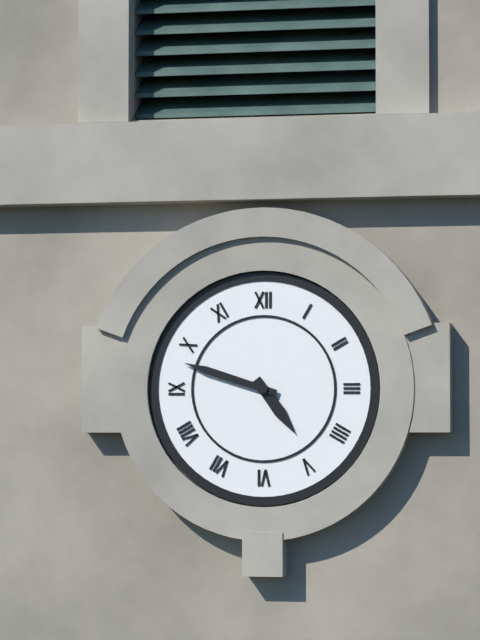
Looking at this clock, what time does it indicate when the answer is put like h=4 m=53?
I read h=4 m=48
